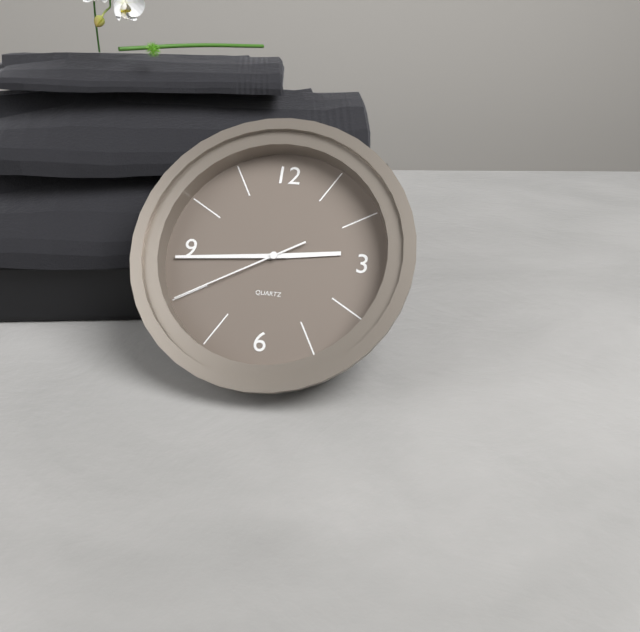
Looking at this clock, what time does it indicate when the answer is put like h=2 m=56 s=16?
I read h=2 m=44 s=40
